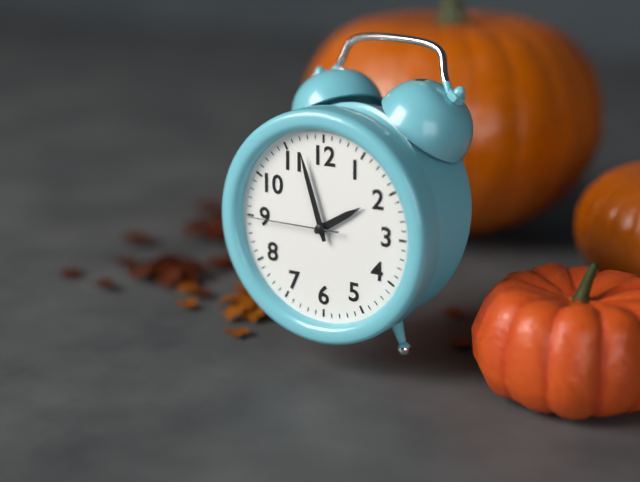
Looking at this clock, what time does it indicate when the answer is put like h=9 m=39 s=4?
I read h=1 m=57 s=45
